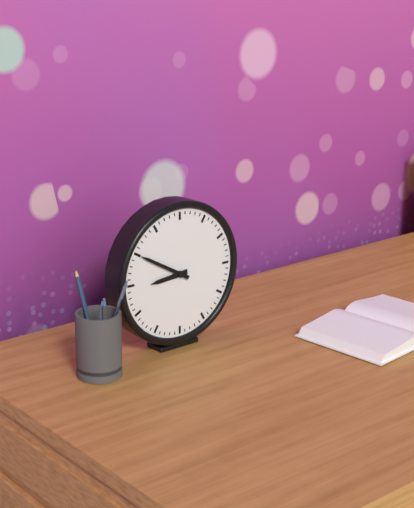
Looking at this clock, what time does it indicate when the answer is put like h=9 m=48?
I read h=8 m=50
